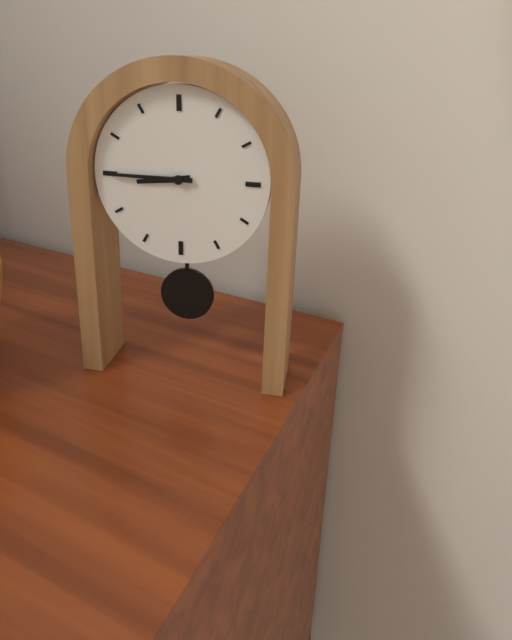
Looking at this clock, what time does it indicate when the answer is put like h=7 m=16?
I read h=8 m=45
